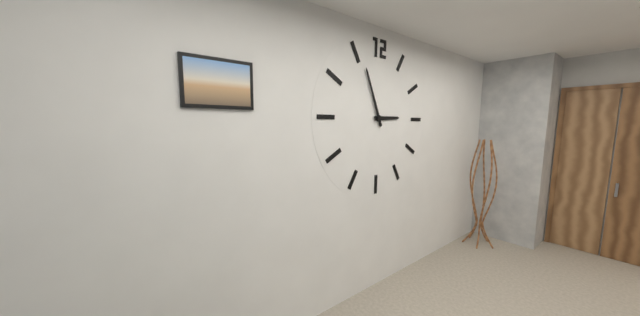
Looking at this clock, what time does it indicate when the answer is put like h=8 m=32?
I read h=2 m=56
